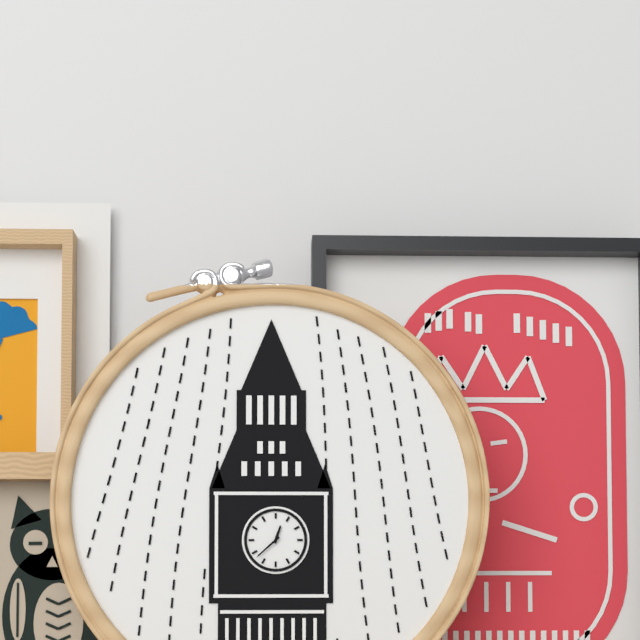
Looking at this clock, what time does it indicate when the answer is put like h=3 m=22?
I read h=12 m=38
